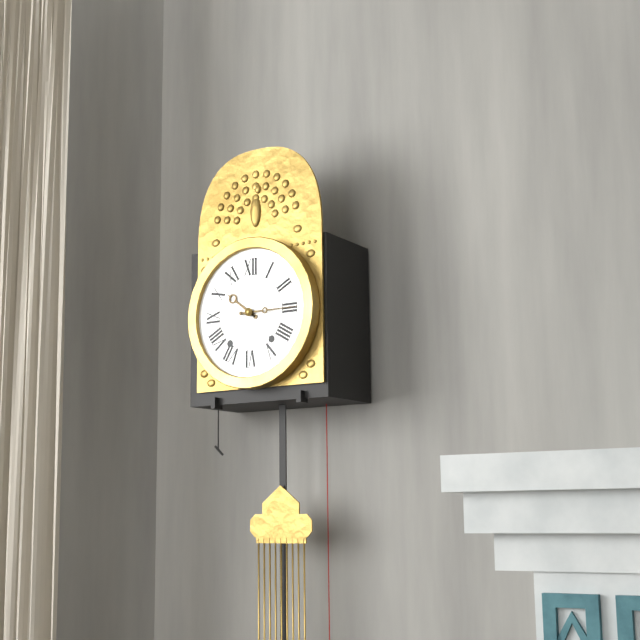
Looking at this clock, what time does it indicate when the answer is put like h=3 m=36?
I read h=10 m=15
